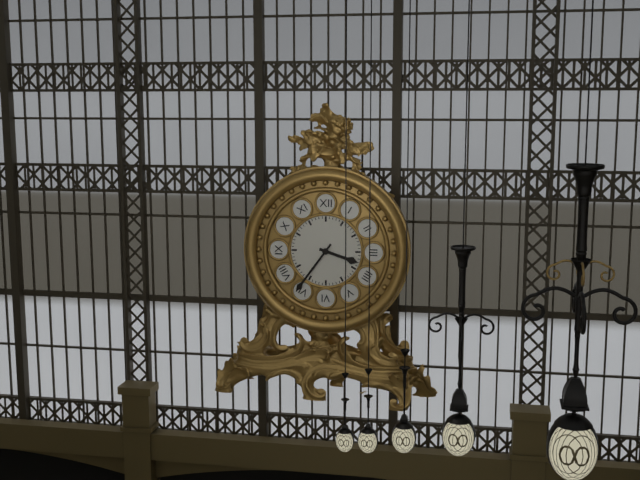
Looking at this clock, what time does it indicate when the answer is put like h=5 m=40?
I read h=3 m=36
